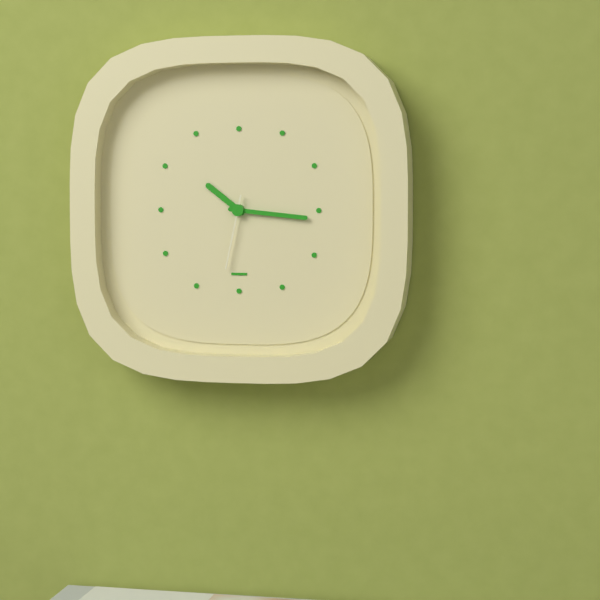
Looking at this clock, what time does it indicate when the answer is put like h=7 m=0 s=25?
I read h=10 m=16 s=32
